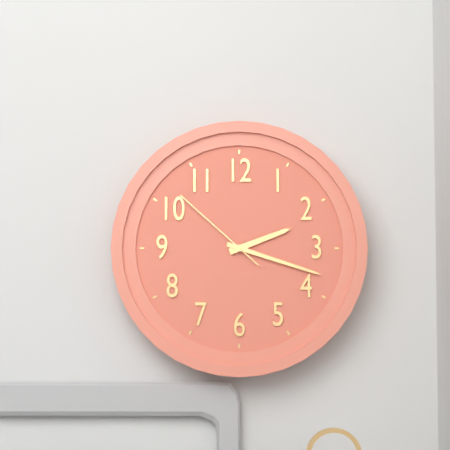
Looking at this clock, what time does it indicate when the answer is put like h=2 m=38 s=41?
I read h=2 m=18 s=52
